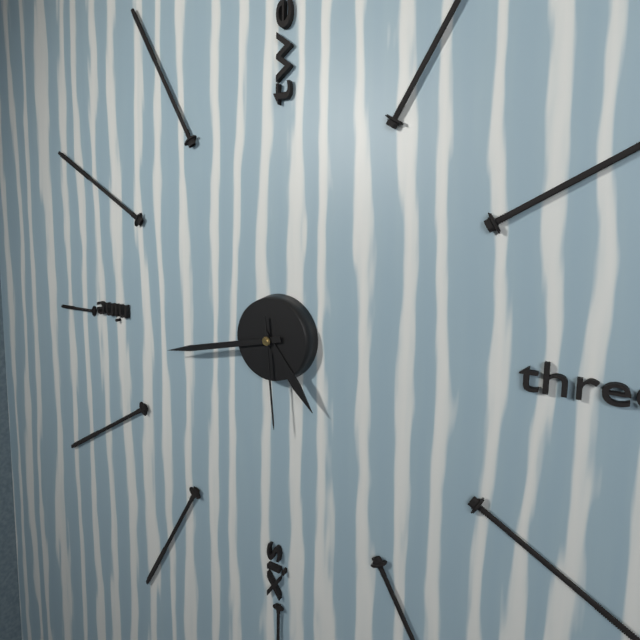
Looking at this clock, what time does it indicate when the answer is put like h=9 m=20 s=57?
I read h=4 m=43 s=29
